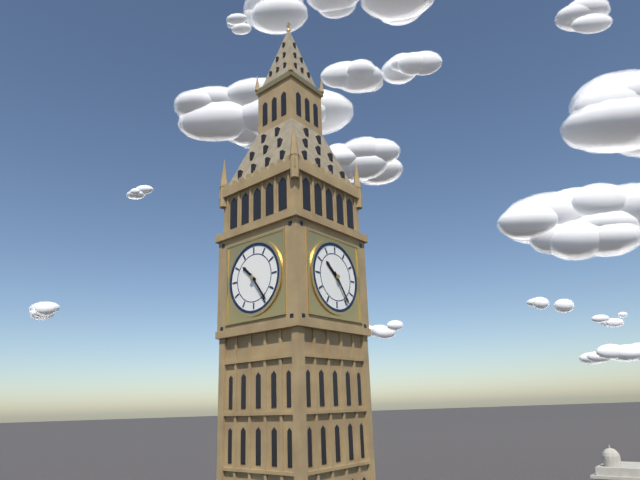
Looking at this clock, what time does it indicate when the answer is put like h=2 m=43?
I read h=10 m=24
